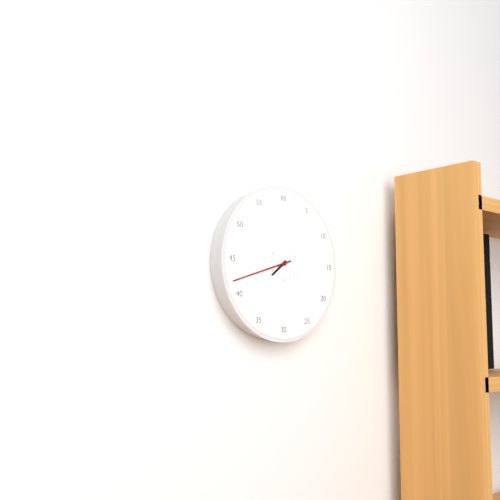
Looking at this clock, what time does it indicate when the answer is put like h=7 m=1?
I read h=7 m=42
